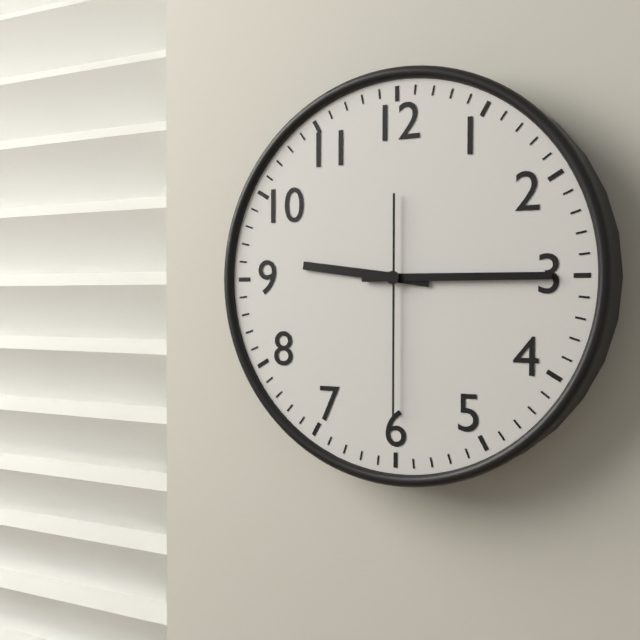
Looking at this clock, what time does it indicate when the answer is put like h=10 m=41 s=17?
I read h=9 m=15 s=30
